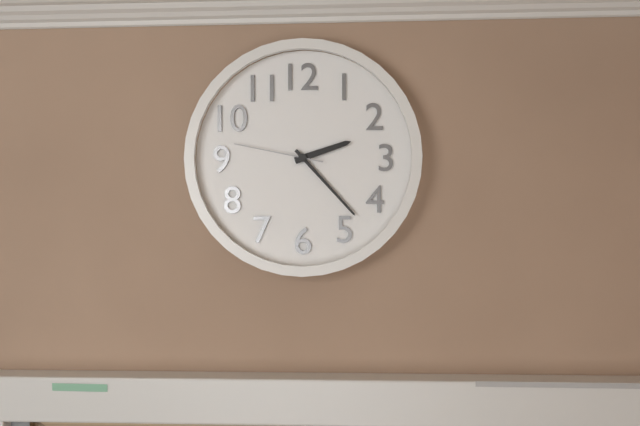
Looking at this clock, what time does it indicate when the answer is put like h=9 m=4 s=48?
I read h=2 m=23 s=47
